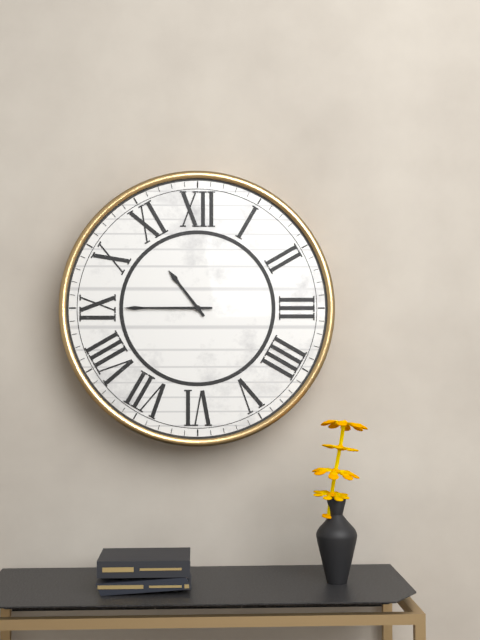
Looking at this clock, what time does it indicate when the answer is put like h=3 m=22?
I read h=10 m=45
